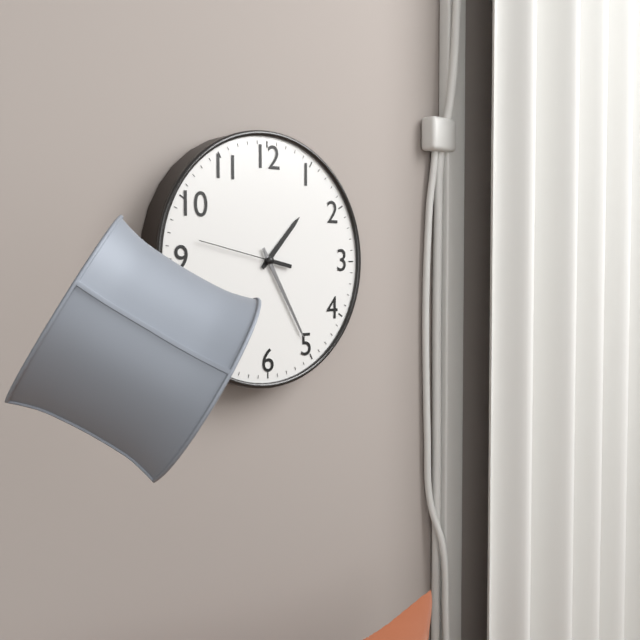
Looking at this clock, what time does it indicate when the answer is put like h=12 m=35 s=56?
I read h=1 m=25 s=47
